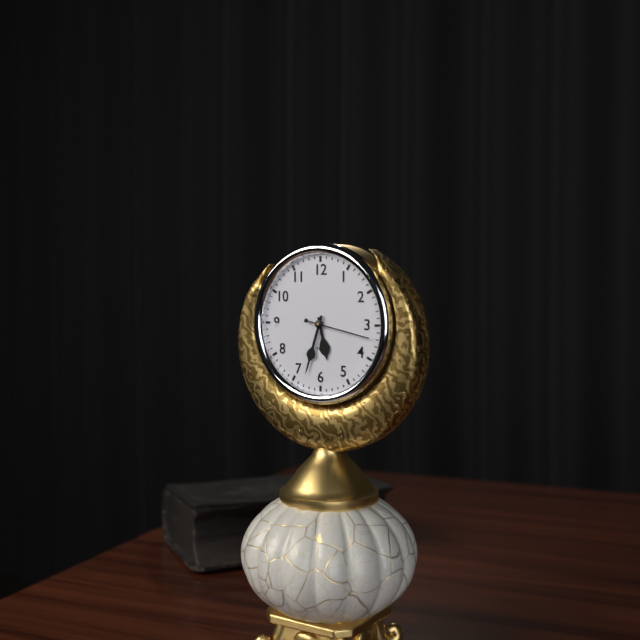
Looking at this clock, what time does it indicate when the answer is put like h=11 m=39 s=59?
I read h=5 m=33 s=17
